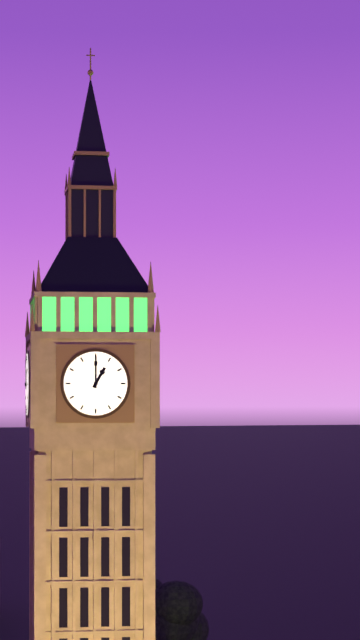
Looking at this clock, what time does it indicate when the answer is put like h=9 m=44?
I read h=1 m=0
